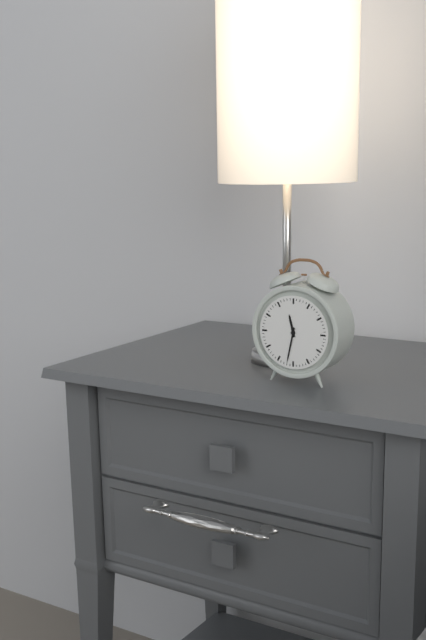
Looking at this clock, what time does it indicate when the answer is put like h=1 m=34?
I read h=11 m=32
